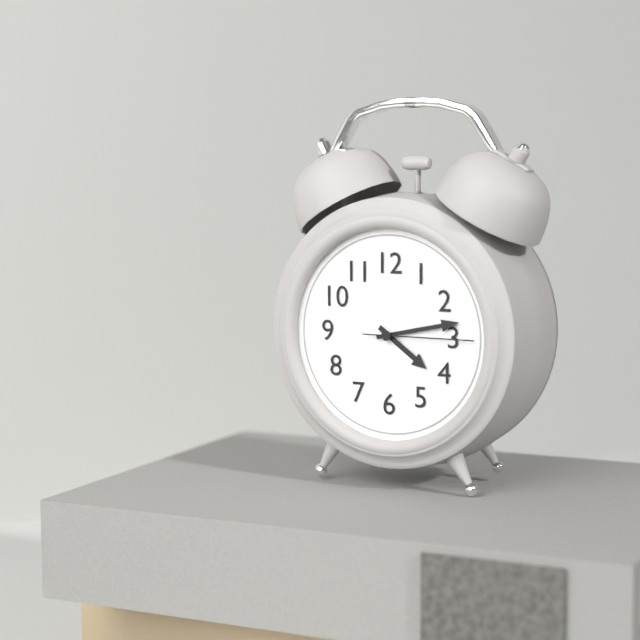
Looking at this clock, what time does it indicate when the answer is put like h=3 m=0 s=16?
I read h=4 m=13 s=15
